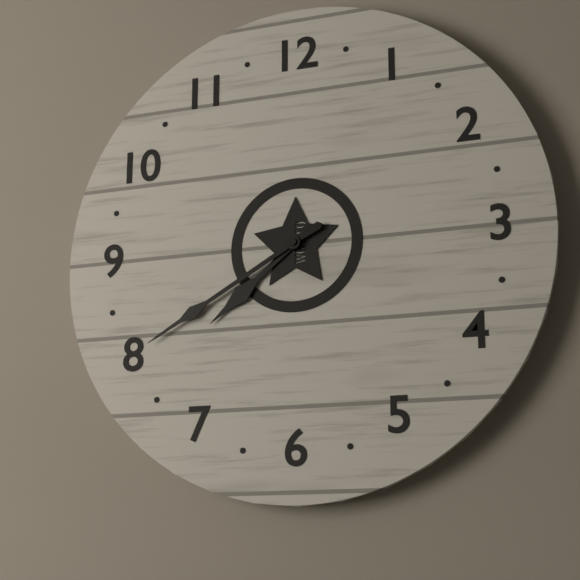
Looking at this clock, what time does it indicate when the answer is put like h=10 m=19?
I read h=7 m=40
